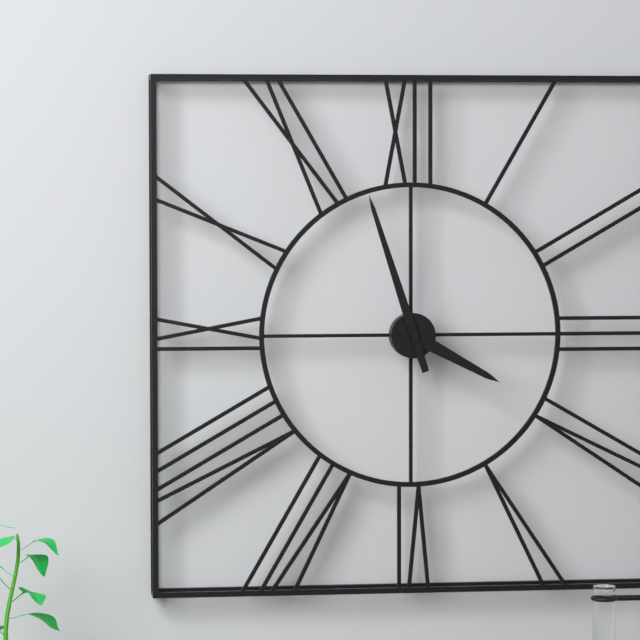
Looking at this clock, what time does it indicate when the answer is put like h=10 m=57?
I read h=3 m=57
